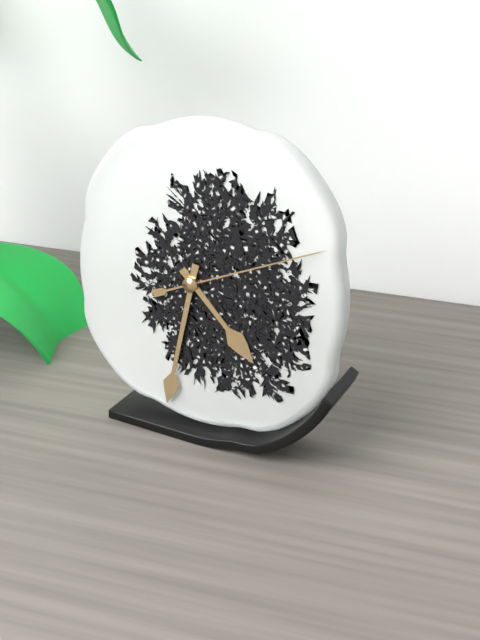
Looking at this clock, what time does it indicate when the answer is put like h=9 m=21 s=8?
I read h=4 m=32 s=11
